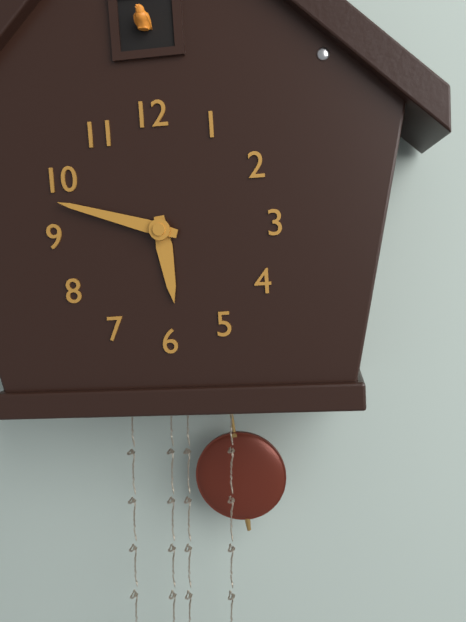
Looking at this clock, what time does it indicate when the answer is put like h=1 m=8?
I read h=5 m=48
